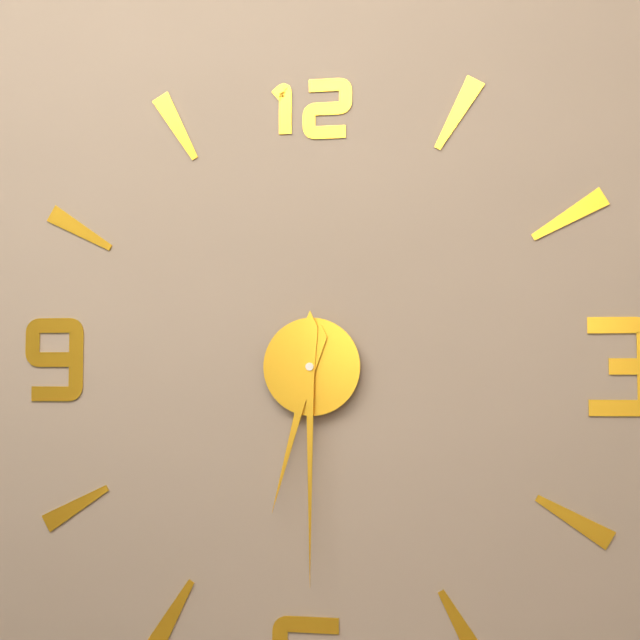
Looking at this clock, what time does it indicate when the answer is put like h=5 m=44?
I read h=6 m=30
